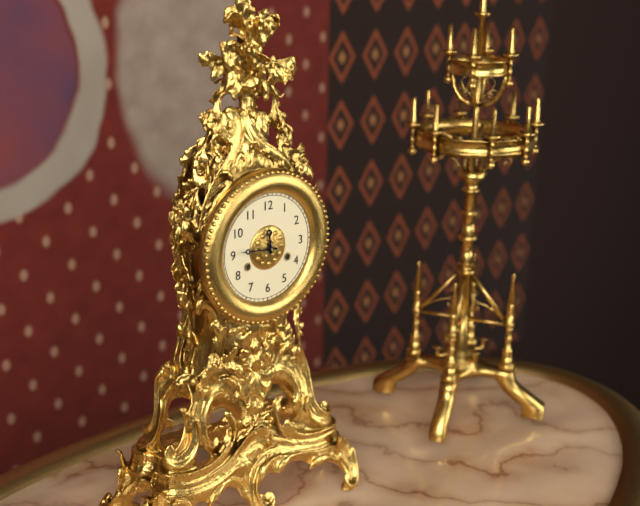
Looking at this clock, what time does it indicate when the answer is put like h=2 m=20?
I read h=11 m=46
